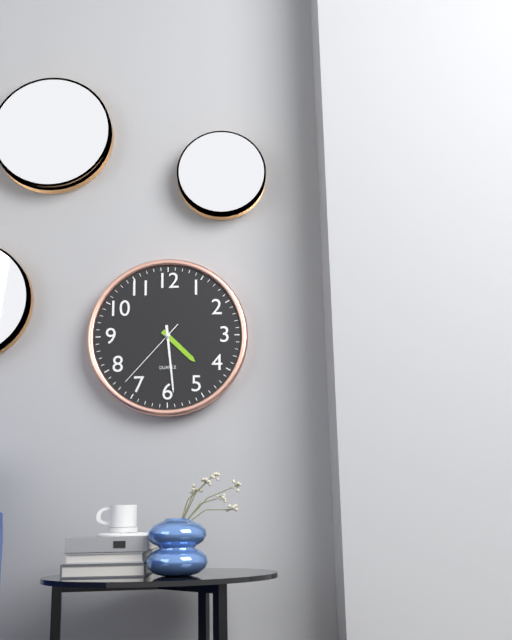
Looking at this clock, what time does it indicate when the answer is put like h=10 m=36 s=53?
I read h=4 m=29 s=37
